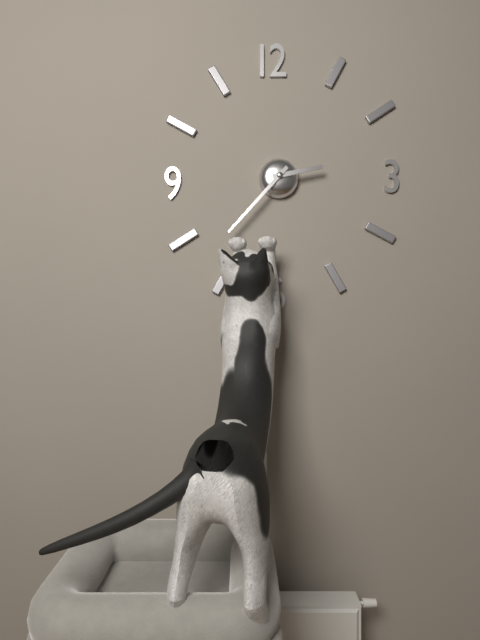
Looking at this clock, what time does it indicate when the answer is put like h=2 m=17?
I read h=2 m=37
